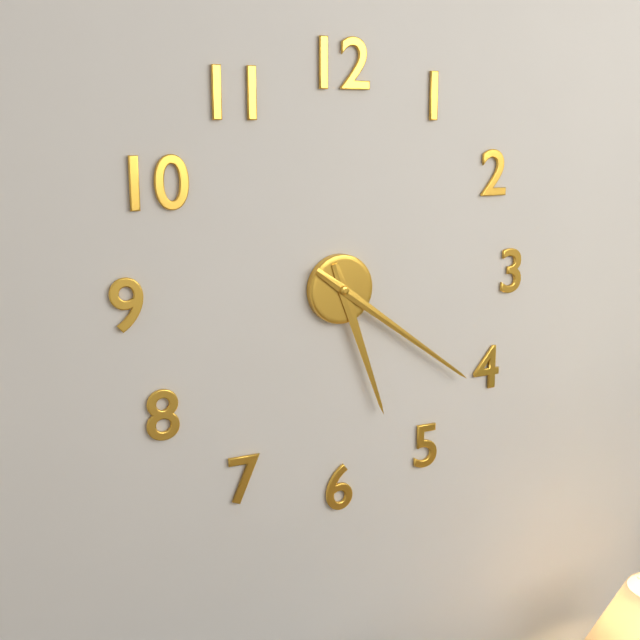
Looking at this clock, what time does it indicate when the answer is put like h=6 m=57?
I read h=5 m=21
